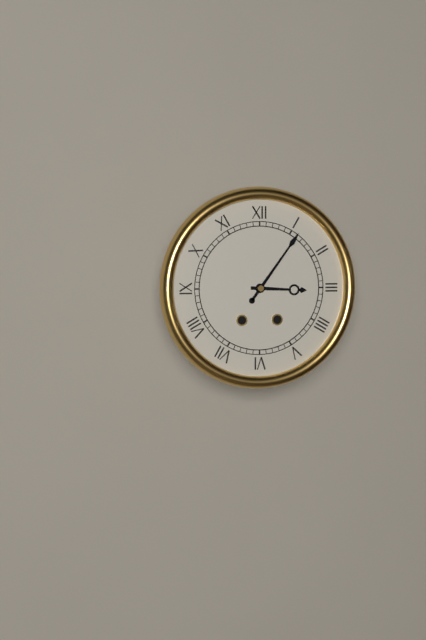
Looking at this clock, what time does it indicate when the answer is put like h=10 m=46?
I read h=3 m=6
